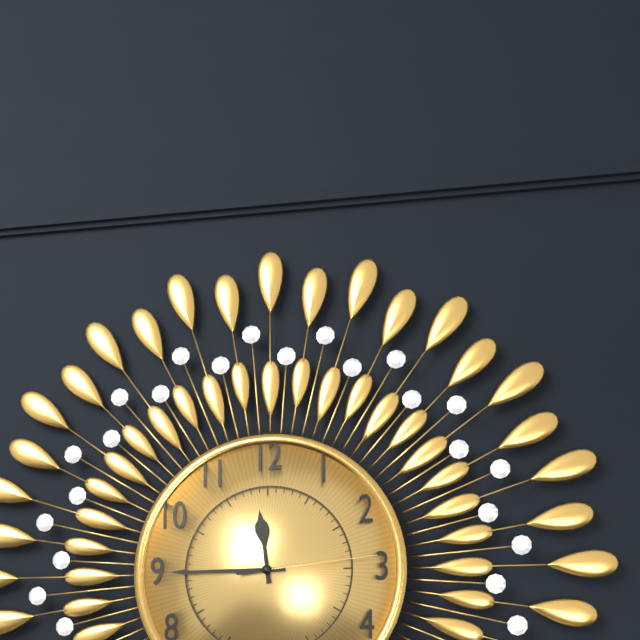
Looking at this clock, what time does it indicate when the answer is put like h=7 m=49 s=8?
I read h=11 m=45 s=14
